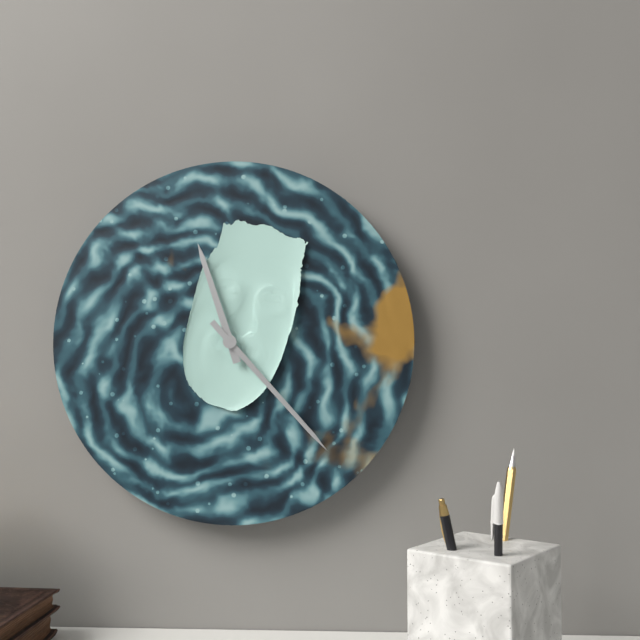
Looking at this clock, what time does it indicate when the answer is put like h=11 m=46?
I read h=11 m=23
